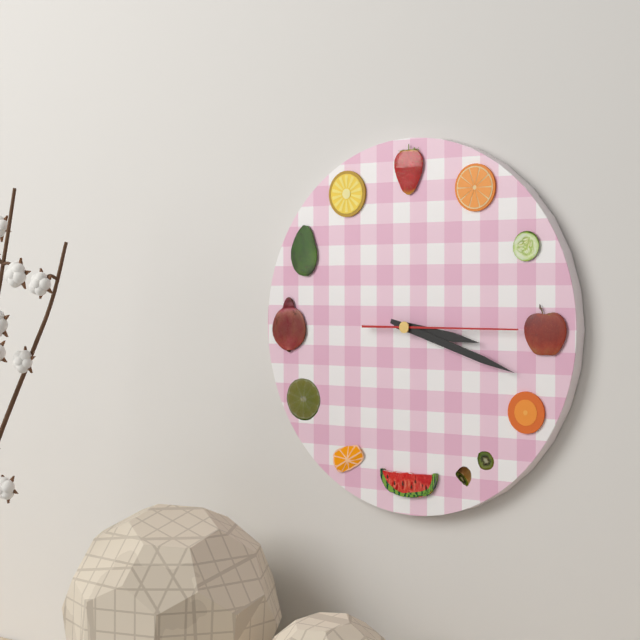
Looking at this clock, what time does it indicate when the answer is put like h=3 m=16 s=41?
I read h=3 m=18 s=15
